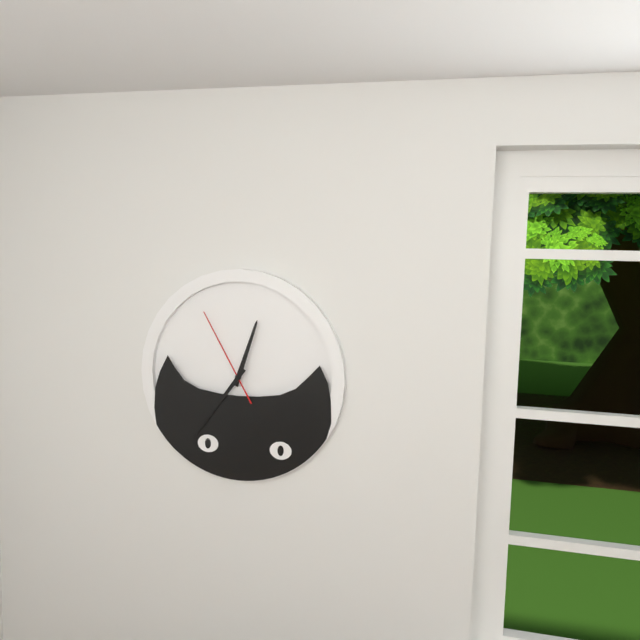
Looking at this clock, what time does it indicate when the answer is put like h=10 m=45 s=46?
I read h=12 m=36 s=55
